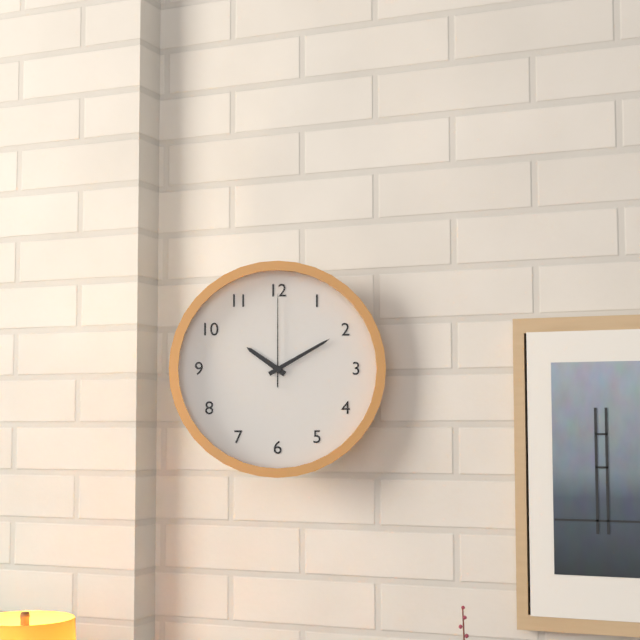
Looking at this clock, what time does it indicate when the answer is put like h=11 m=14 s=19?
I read h=10 m=10 s=0
